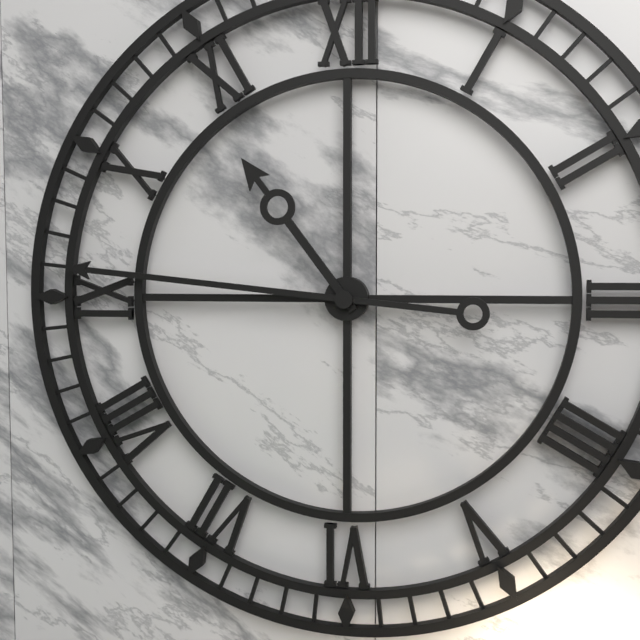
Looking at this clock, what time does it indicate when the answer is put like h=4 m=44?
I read h=10 m=46
